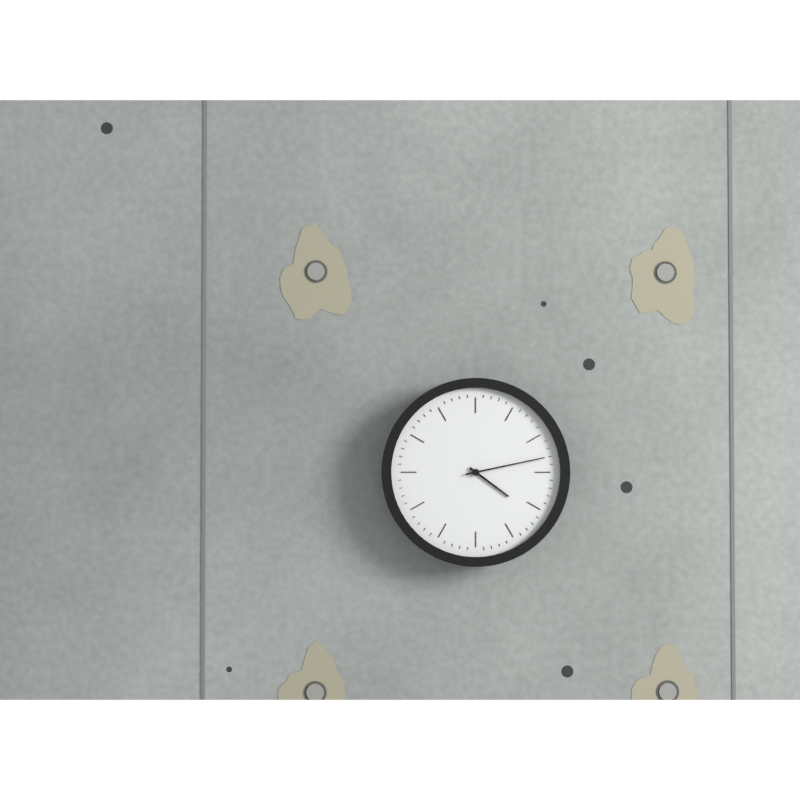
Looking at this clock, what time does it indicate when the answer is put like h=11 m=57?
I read h=4 m=13
